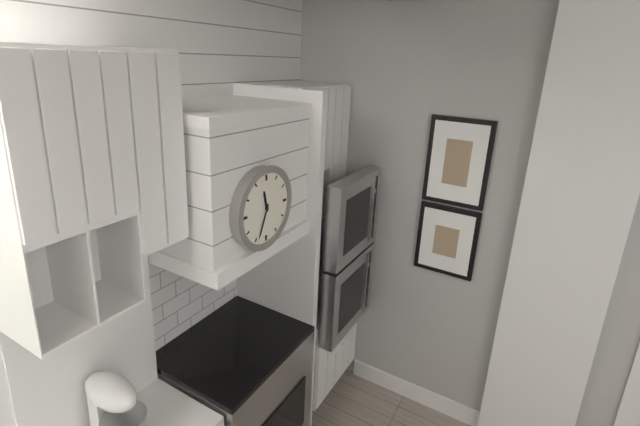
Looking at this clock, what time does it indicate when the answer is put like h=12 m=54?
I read h=11 m=34
